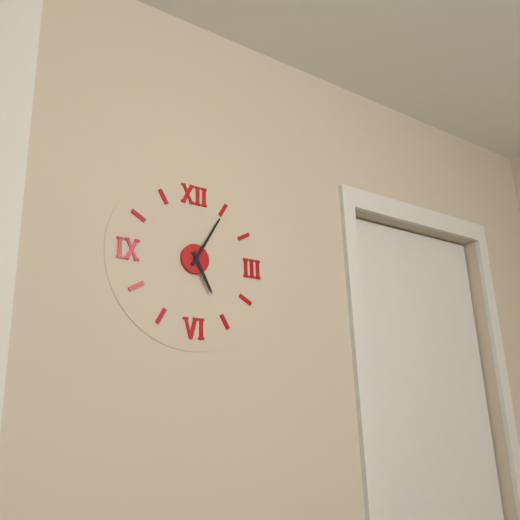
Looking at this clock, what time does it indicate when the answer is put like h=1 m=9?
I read h=5 m=5
